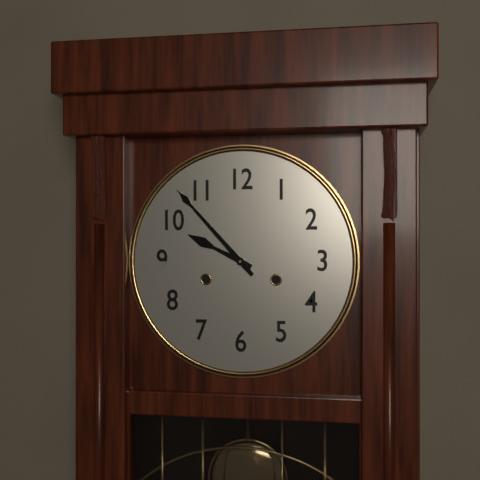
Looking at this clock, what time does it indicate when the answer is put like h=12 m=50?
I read h=9 m=53
